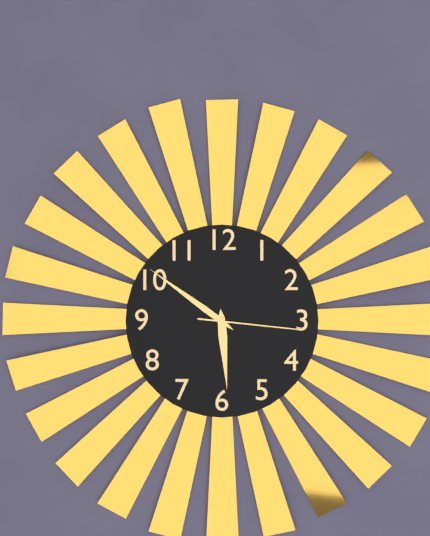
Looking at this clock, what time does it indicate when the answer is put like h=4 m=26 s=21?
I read h=5 m=51 s=16
